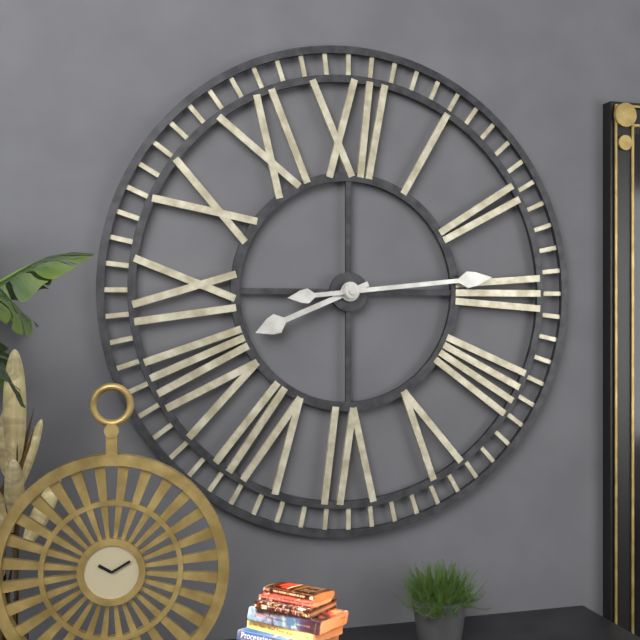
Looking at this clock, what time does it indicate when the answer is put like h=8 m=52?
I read h=8 m=14
